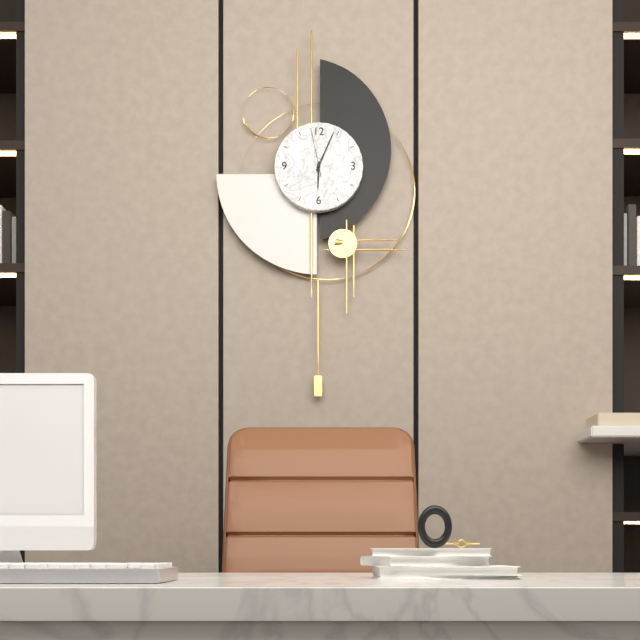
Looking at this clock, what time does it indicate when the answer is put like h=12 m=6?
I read h=6 m=4
